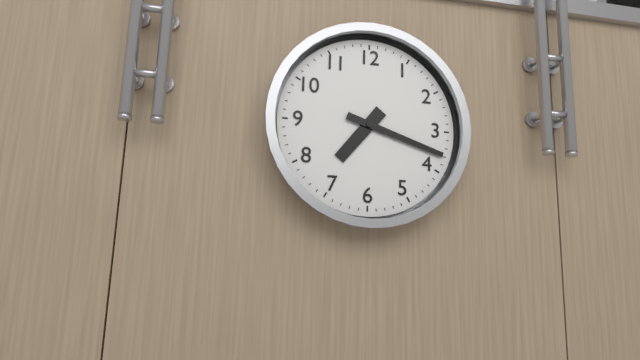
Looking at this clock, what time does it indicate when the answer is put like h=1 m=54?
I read h=7 m=18
